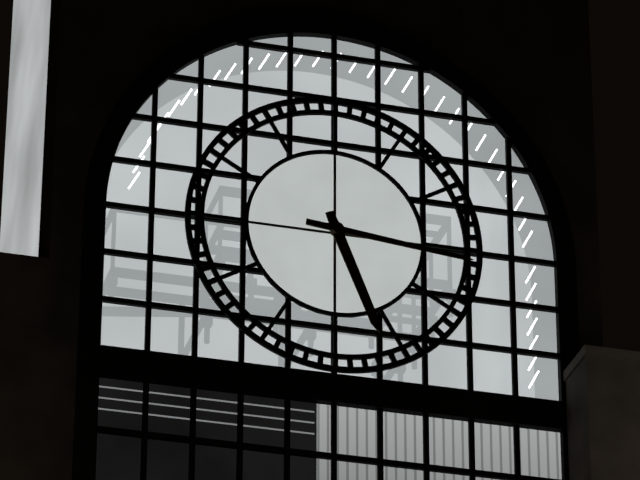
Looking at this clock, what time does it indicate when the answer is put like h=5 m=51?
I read h=5 m=16
